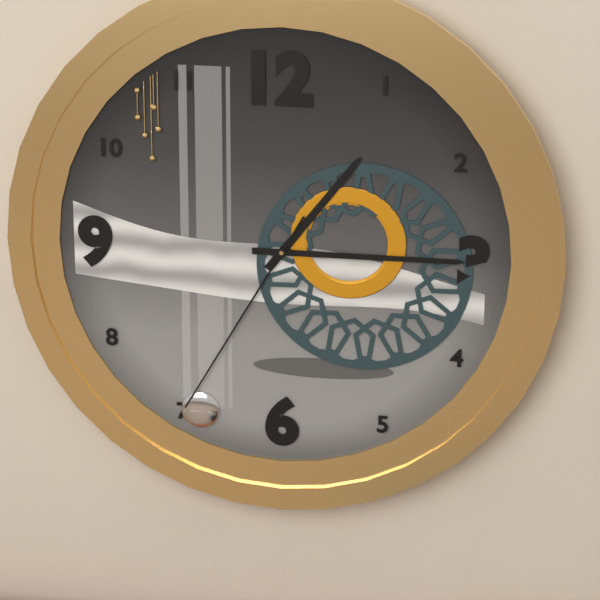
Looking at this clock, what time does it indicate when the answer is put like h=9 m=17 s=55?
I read h=1 m=15 s=35
